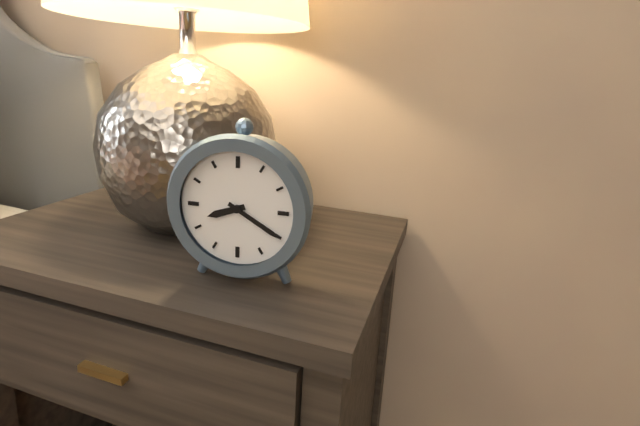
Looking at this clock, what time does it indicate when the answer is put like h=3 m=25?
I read h=8 m=20
